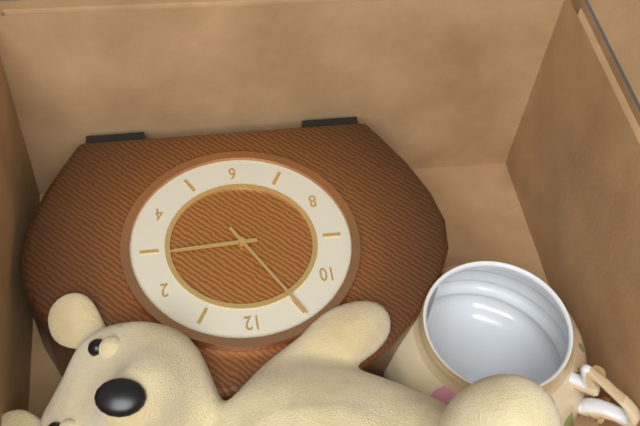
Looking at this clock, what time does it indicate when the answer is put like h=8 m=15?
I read h=2 m=55
